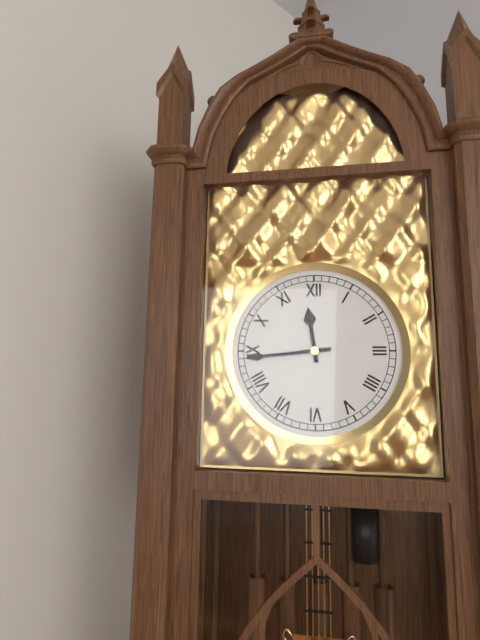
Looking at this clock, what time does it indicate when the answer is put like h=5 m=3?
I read h=11 m=44
